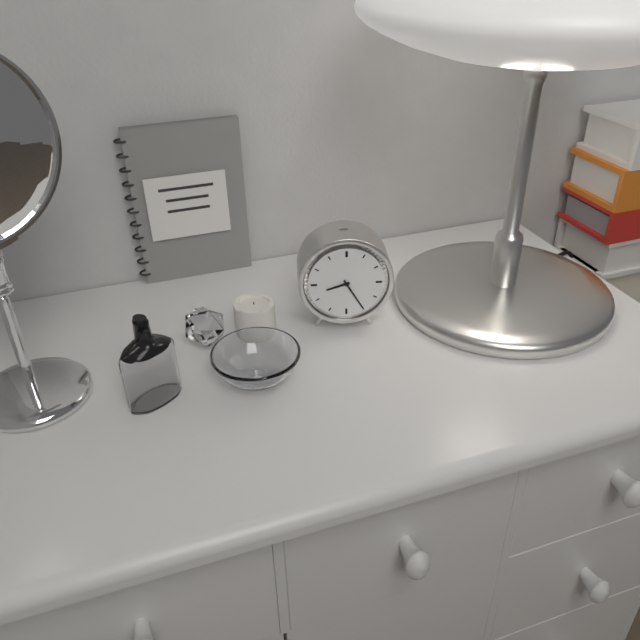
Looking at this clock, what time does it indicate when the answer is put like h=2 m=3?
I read h=8 m=25
